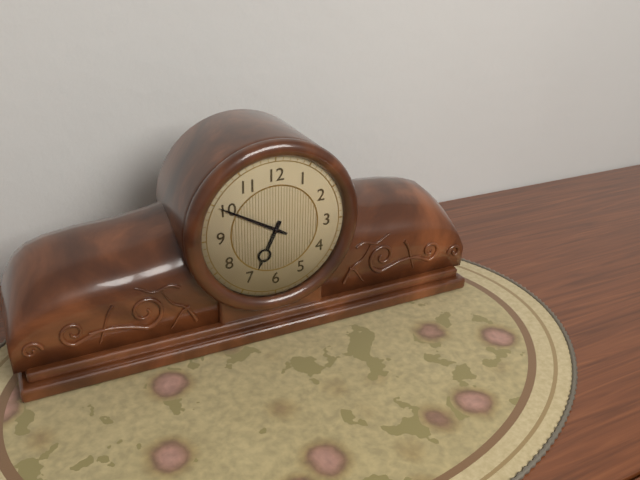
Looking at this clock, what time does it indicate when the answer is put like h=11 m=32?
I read h=6 m=50
